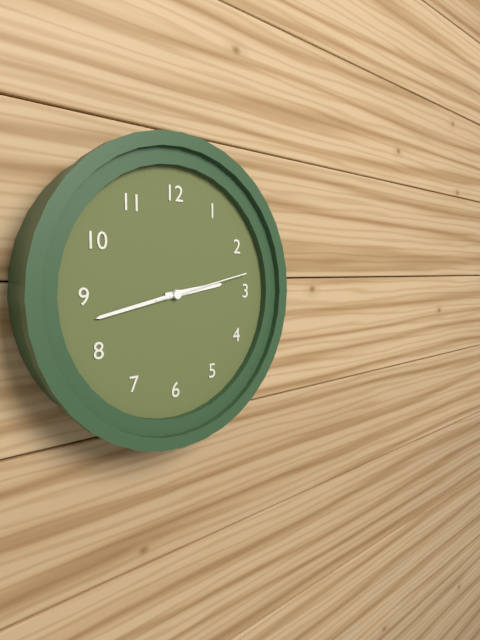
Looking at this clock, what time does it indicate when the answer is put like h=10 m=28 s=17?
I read h=2 m=43 s=13
